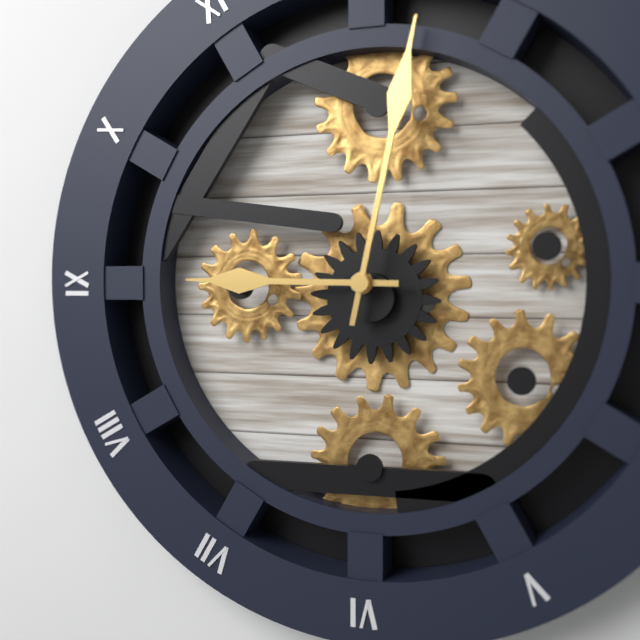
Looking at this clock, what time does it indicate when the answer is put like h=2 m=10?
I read h=9 m=2
